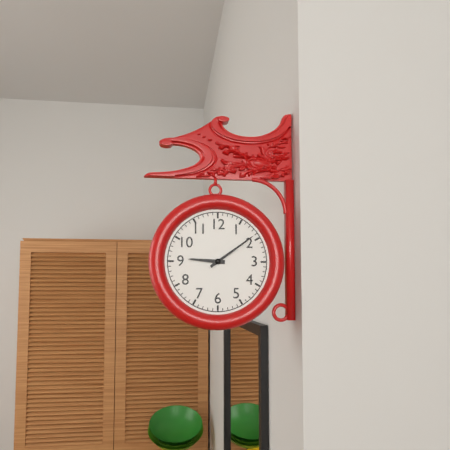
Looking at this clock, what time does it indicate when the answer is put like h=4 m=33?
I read h=9 m=9
